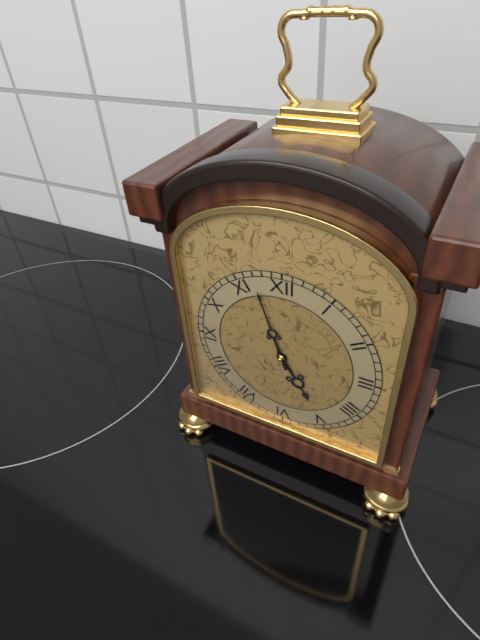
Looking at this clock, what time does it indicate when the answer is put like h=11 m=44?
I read h=4 m=57
